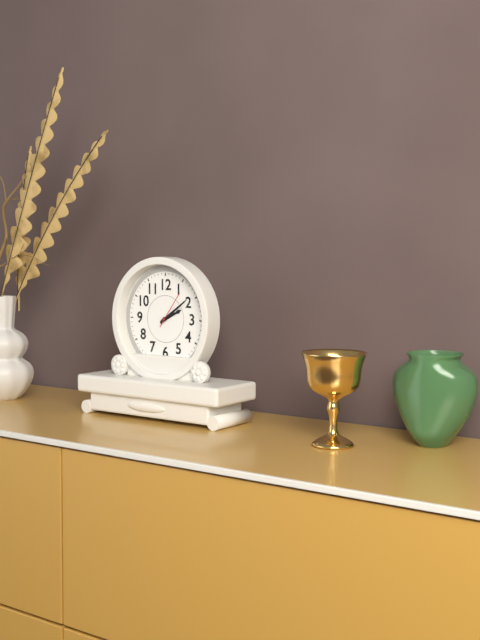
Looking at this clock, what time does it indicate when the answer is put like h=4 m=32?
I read h=2 m=9
